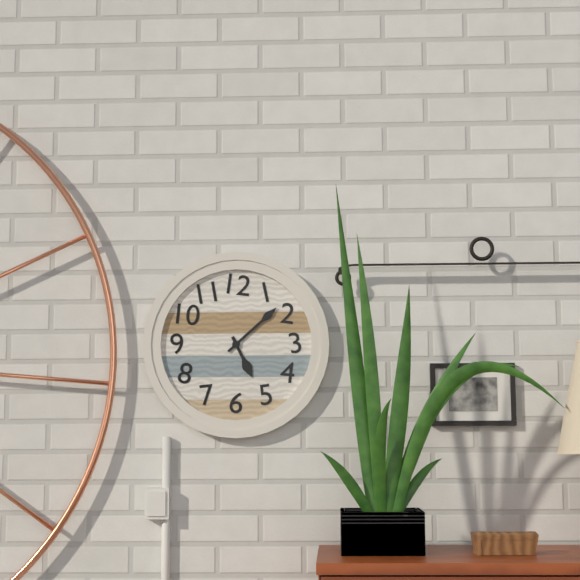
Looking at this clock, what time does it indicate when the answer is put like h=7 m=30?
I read h=5 m=8
